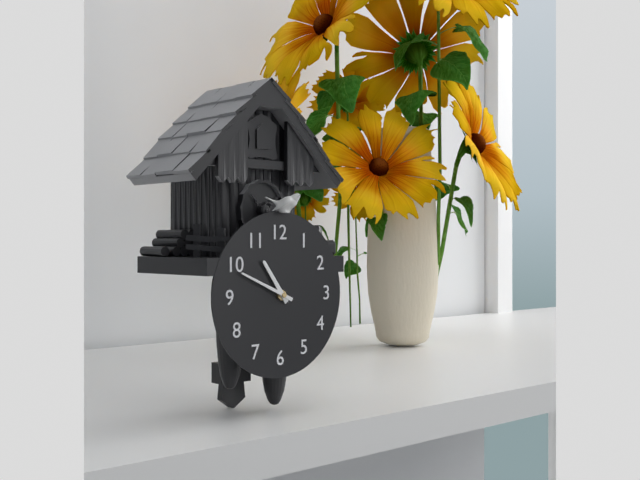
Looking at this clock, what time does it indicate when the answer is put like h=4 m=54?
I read h=10 m=49
